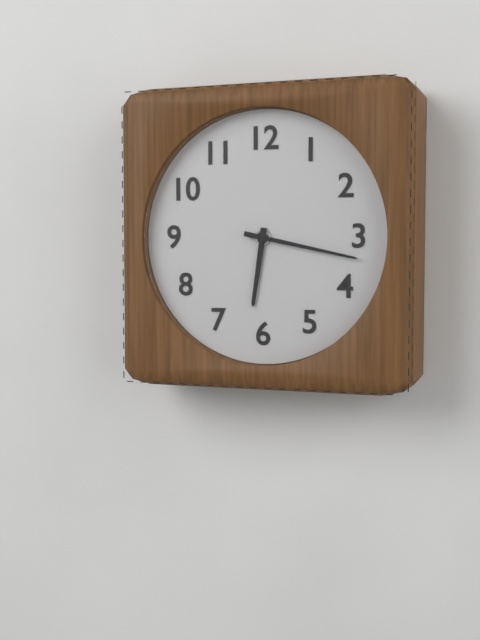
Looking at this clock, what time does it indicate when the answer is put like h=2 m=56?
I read h=6 m=17
